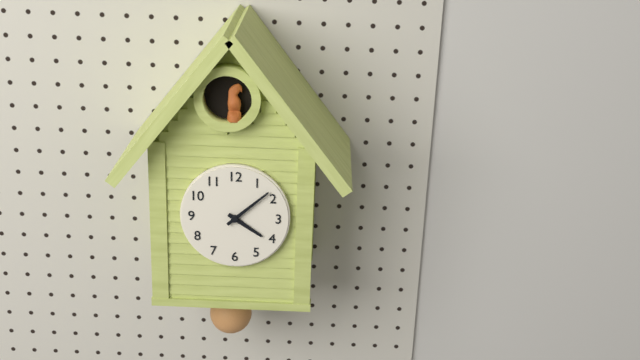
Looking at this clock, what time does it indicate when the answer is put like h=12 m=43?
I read h=4 m=8
